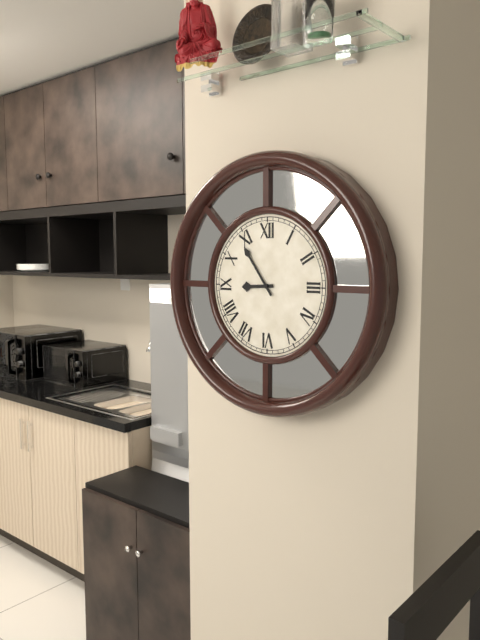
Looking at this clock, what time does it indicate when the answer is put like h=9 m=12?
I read h=8 m=54
